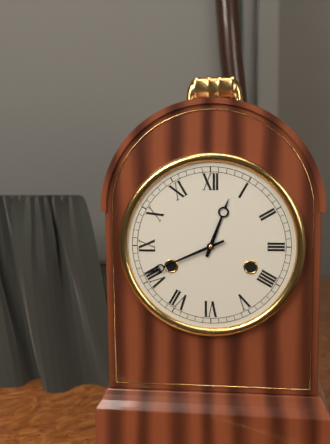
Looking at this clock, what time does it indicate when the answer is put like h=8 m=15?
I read h=12 m=41
